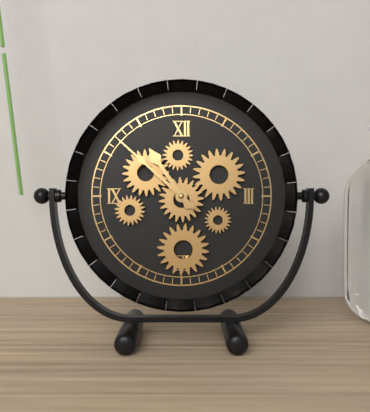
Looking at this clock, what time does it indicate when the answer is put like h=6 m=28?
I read h=10 m=52
